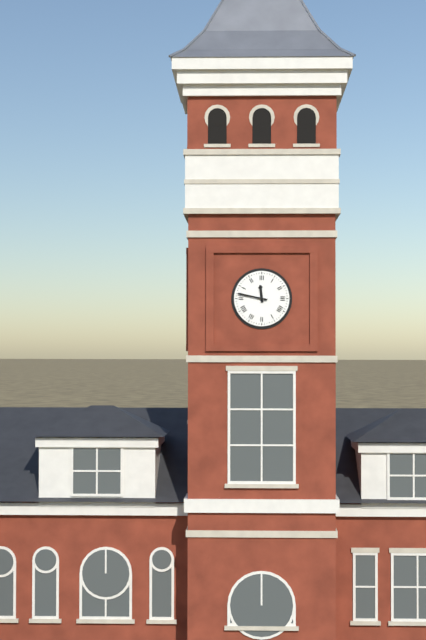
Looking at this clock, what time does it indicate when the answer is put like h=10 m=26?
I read h=11 m=47
